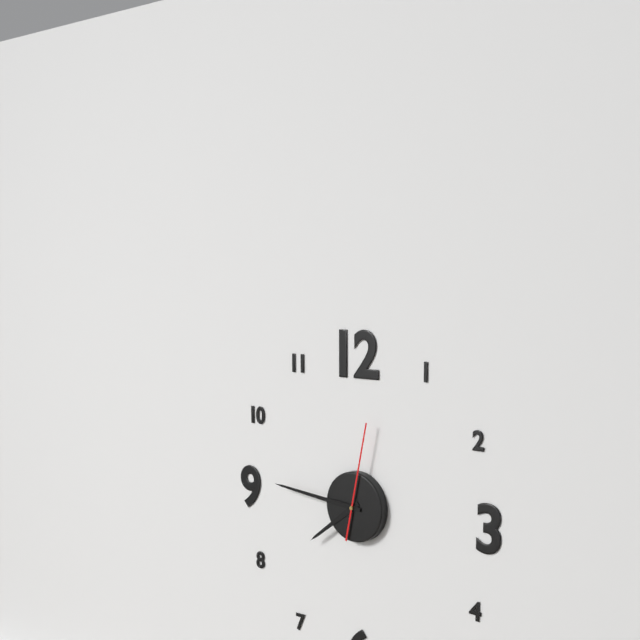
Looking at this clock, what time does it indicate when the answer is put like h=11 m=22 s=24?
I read h=7 m=46 s=2
